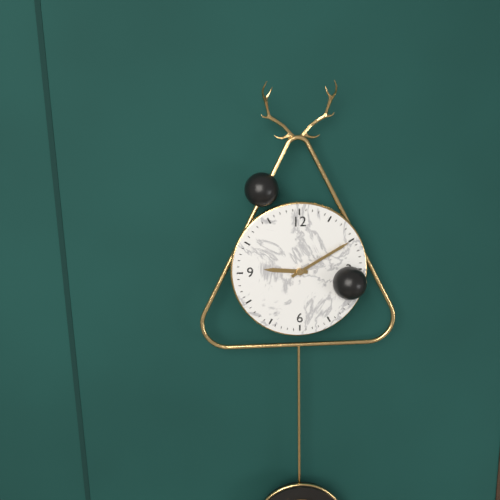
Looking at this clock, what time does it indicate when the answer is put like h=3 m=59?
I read h=9 m=10
